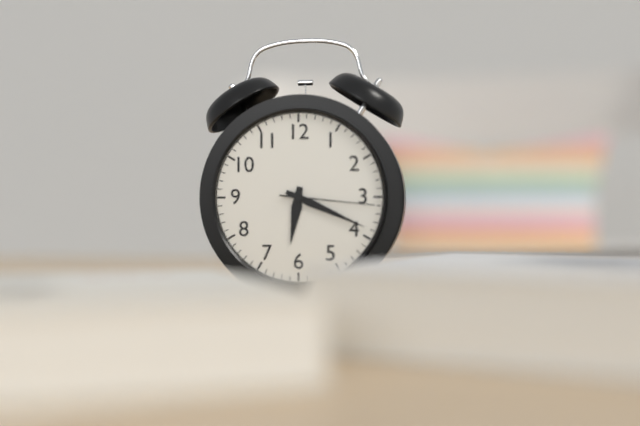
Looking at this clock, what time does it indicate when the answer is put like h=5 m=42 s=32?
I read h=6 m=19 s=16
